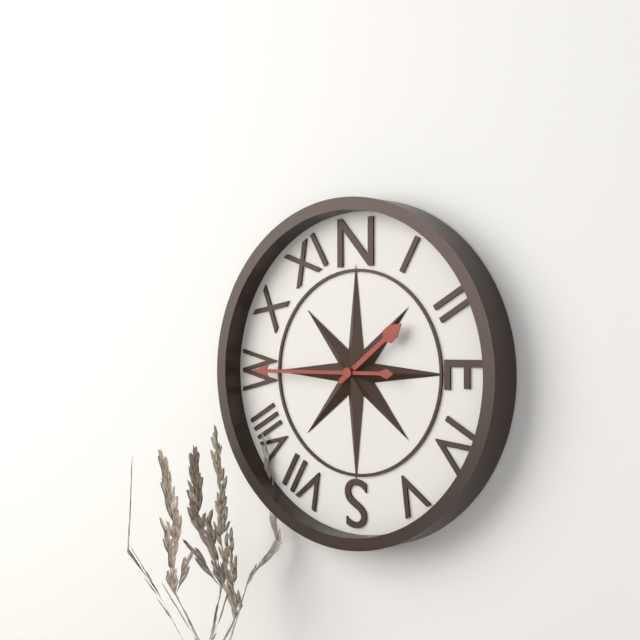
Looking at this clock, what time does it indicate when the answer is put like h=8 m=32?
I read h=1 m=45
